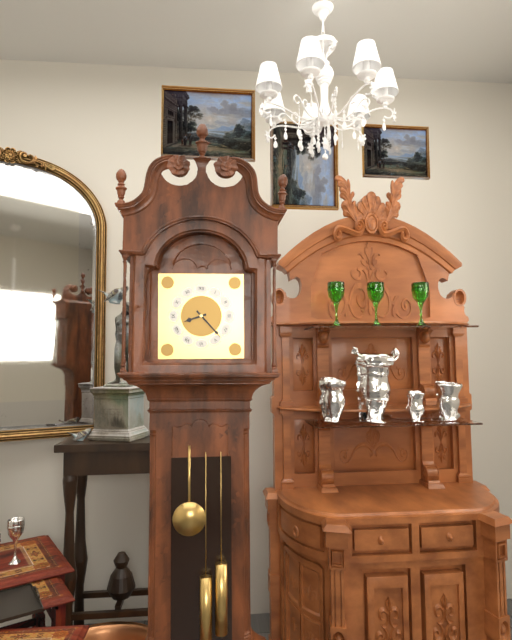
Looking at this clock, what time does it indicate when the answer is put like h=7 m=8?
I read h=8 m=23
